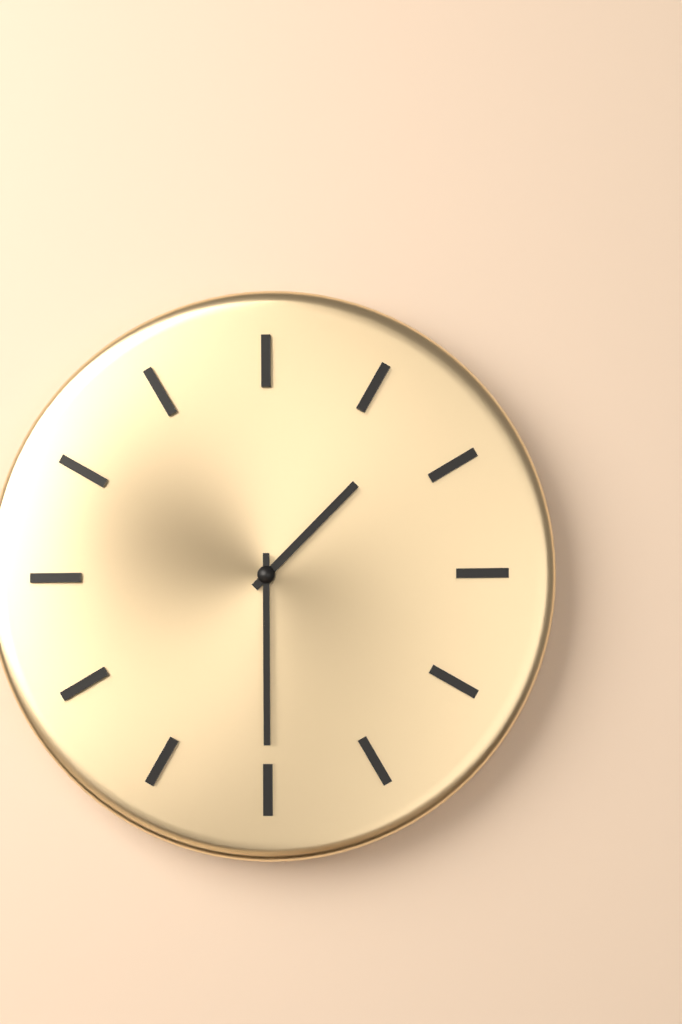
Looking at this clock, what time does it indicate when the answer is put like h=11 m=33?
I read h=1 m=30
